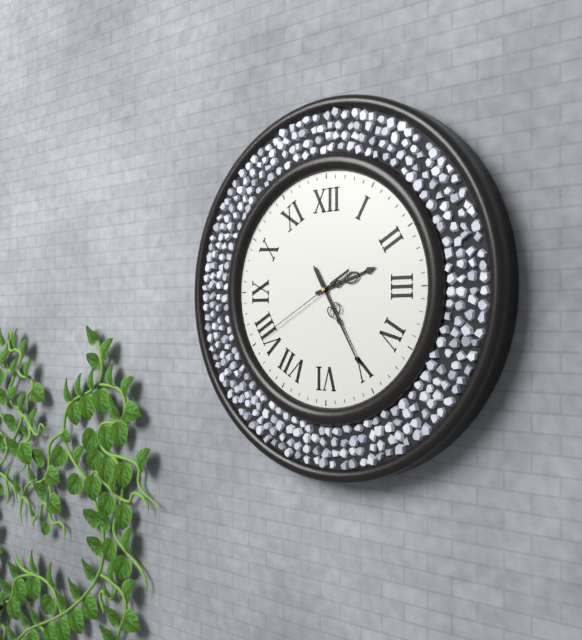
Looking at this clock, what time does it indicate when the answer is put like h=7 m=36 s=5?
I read h=2 m=25 s=40
